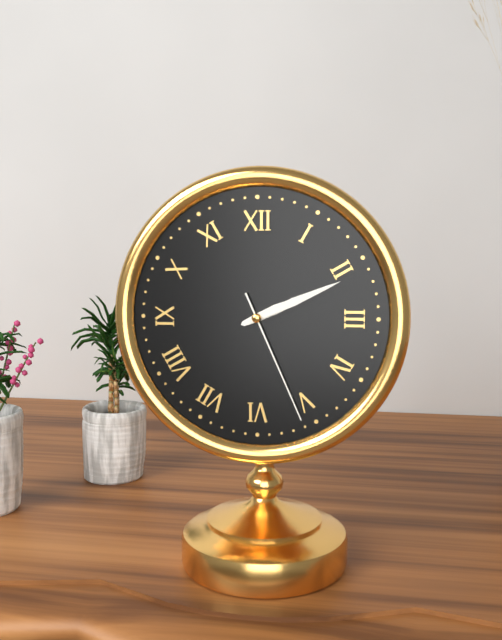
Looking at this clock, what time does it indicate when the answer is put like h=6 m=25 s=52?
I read h=2 m=11 s=26
